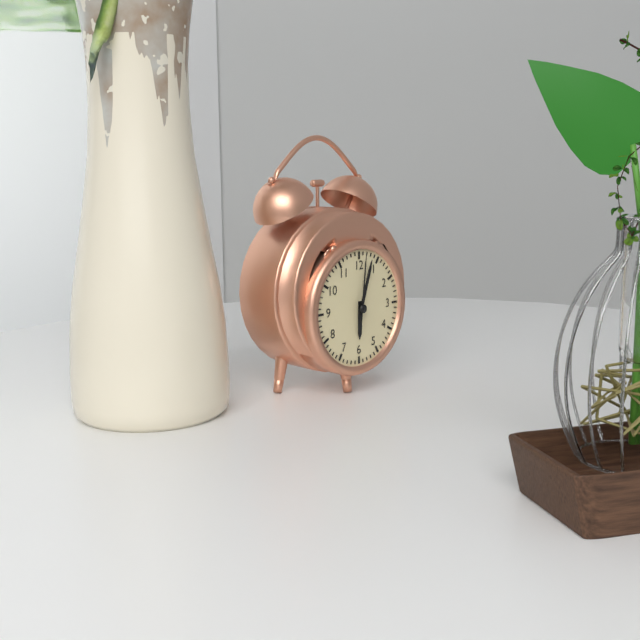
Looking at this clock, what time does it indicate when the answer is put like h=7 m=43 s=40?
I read h=6 m=3 s=1
